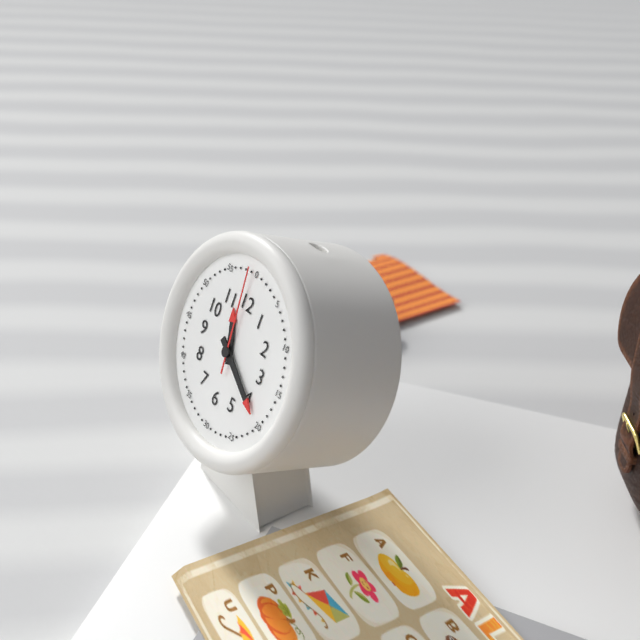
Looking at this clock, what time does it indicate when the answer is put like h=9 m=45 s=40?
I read h=11 m=20 s=59
